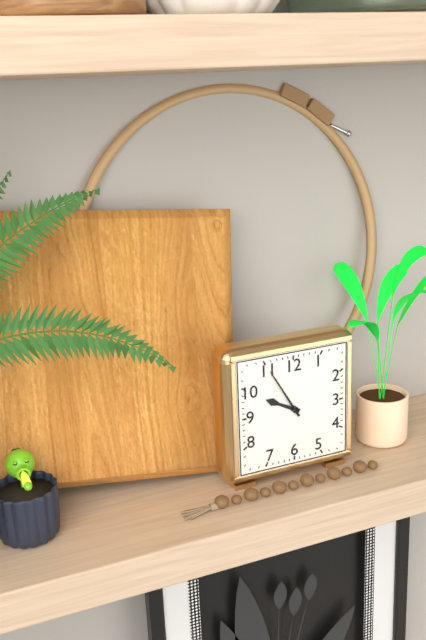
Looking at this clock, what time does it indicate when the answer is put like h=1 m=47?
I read h=9 m=55
